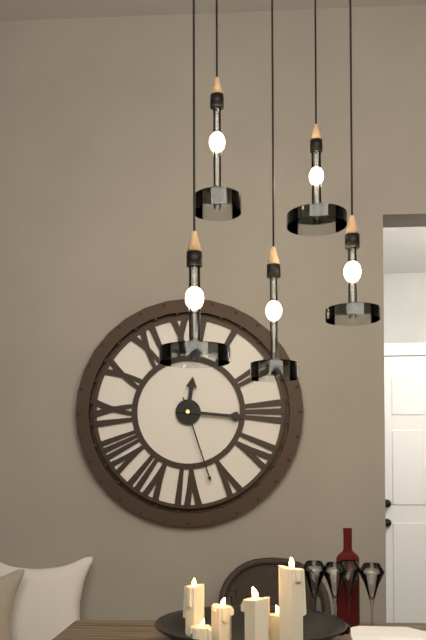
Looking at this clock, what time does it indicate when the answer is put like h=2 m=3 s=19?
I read h=12 m=16 s=27
